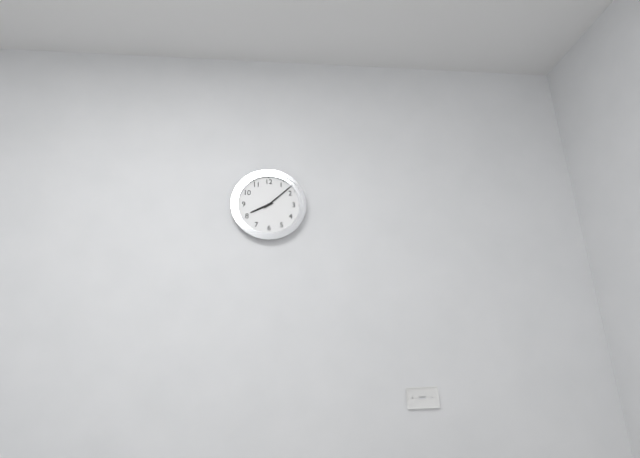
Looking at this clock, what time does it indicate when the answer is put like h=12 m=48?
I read h=8 m=8
